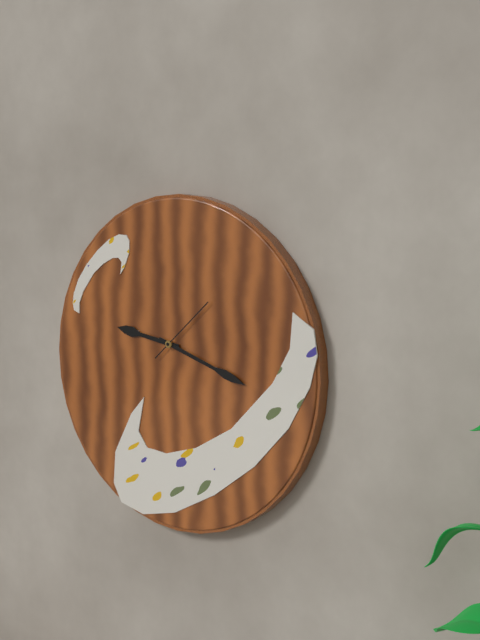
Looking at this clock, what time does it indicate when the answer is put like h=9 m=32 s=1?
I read h=9 m=18 s=8
